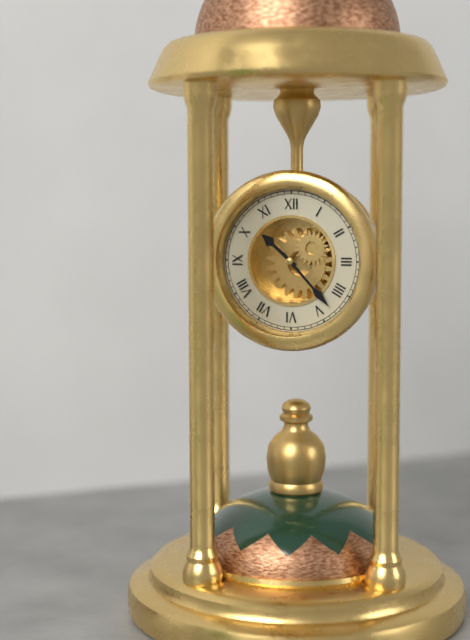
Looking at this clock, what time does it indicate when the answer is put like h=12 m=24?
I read h=10 m=23
